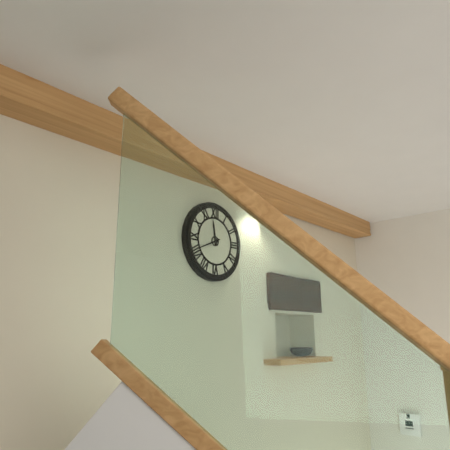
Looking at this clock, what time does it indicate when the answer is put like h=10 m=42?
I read h=11 m=41
